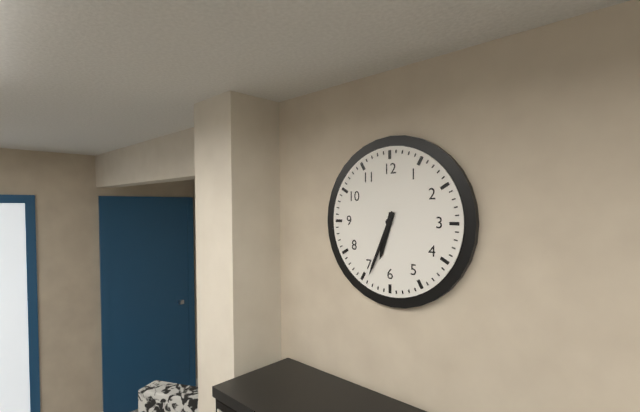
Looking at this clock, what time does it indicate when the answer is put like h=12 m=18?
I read h=6 m=34
